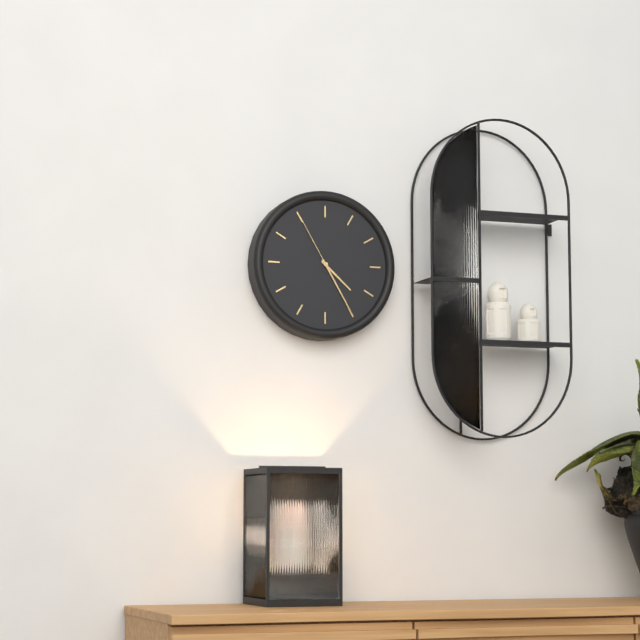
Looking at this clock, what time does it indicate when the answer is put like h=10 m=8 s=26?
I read h=4 m=25 s=55
